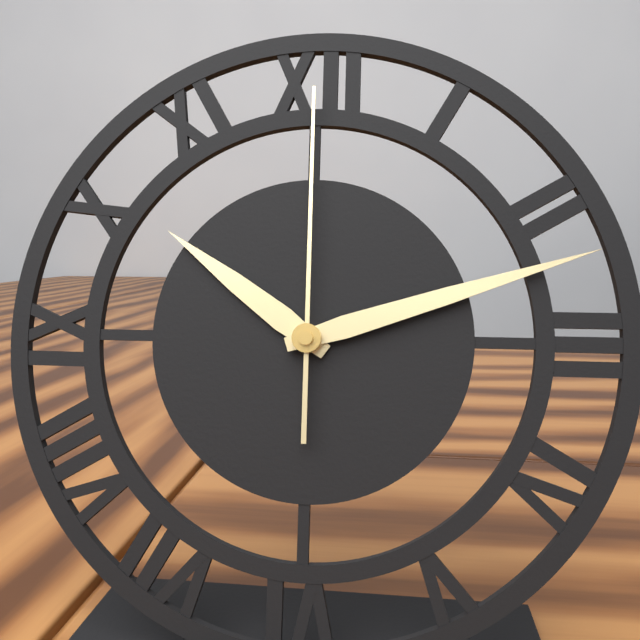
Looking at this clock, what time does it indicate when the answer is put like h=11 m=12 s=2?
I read h=10 m=12 s=0
